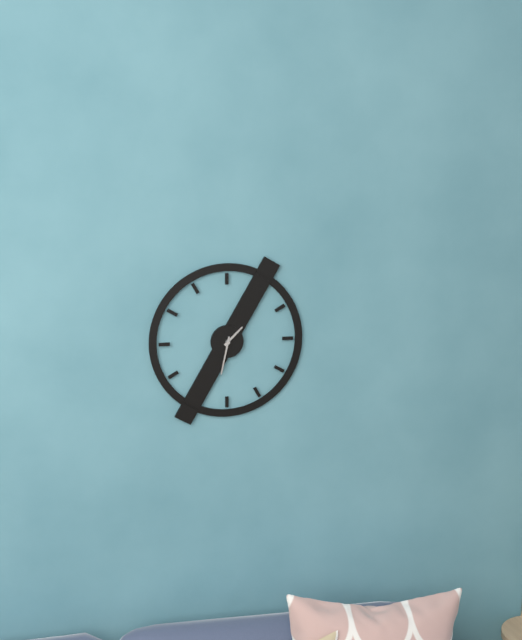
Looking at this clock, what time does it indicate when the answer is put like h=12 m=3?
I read h=1 m=32
